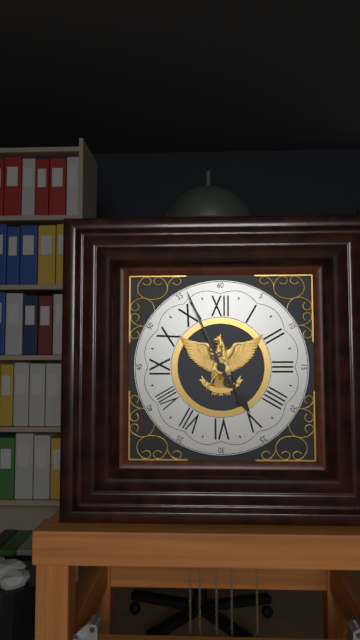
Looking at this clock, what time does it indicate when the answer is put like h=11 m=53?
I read h=4 m=56
